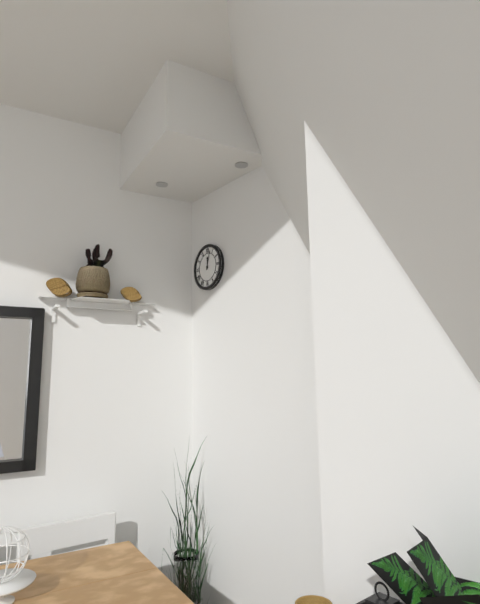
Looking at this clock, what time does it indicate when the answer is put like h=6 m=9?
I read h=12 m=3
